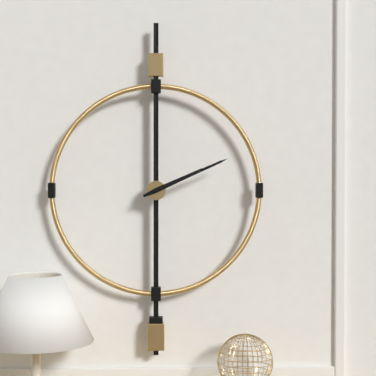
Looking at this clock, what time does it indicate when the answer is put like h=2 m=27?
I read h=2 m=11
